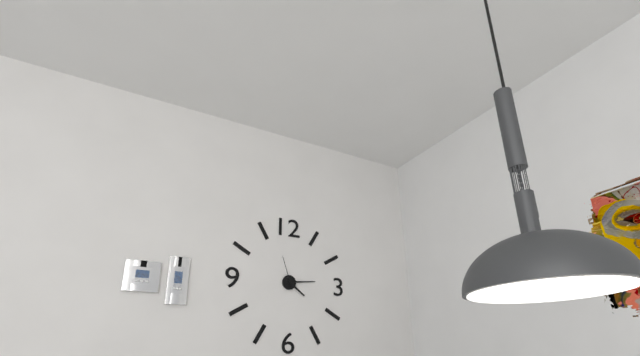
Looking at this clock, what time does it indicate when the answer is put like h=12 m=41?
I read h=4 m=14
